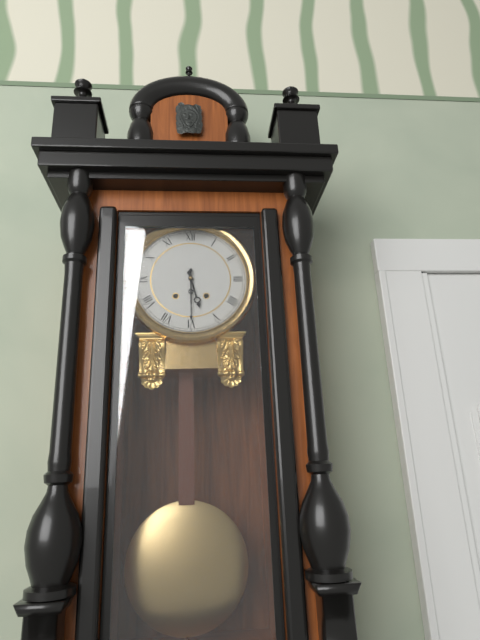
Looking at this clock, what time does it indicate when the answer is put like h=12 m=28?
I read h=5 m=30
